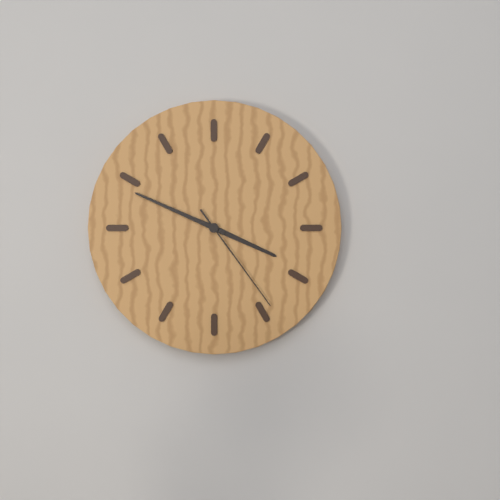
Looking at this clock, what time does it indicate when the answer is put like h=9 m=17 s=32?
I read h=3 m=49 s=24
